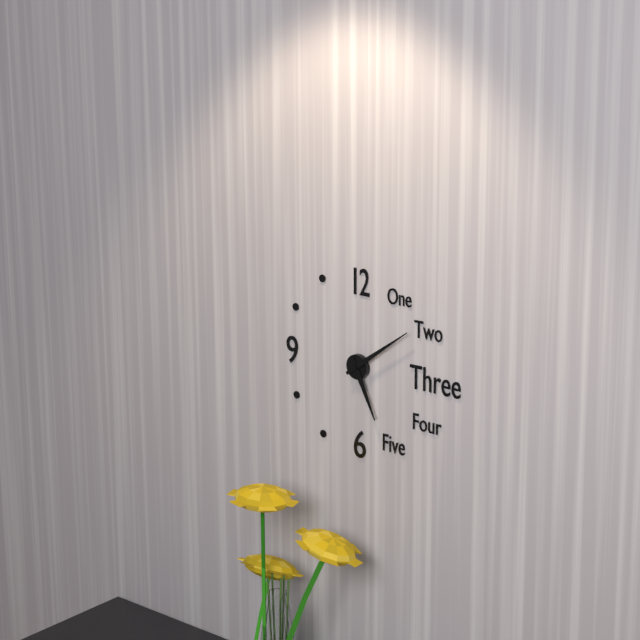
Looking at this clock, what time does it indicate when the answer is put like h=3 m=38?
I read h=5 m=9
